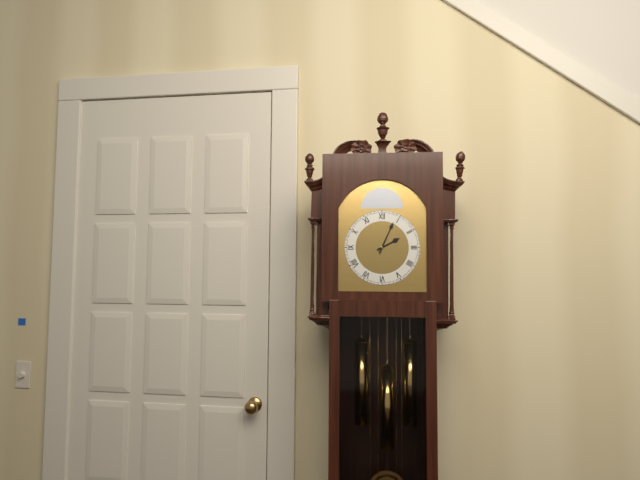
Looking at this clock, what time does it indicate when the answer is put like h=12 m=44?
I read h=2 m=4
